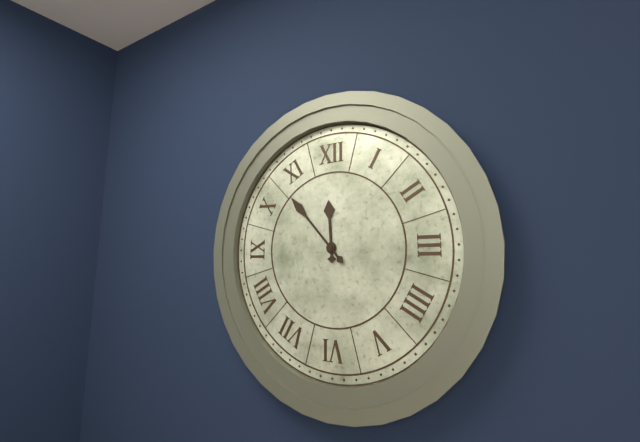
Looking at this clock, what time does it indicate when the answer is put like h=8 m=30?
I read h=11 m=53
